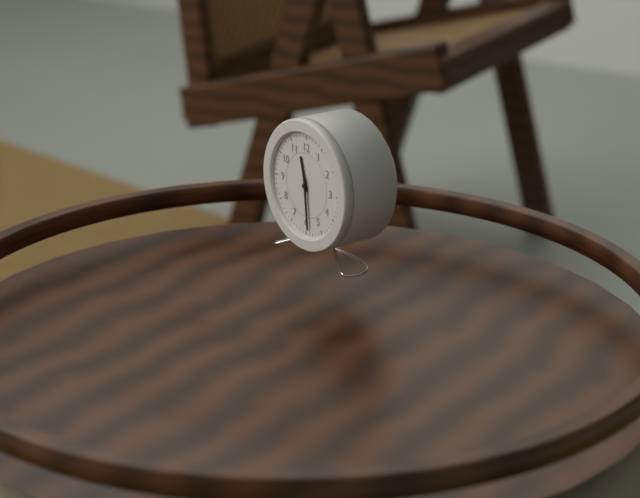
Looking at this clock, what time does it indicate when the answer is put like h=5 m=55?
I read h=11 m=29
